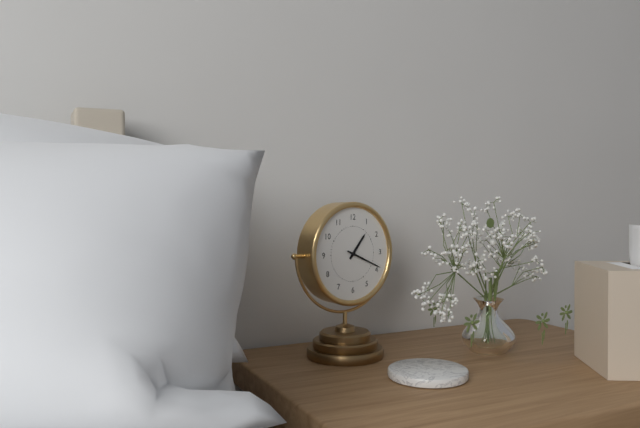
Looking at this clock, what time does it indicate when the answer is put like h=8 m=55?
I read h=1 m=19
